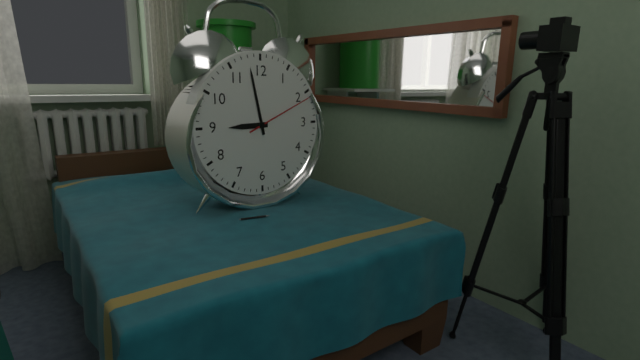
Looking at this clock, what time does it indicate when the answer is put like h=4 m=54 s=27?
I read h=8 m=58 s=11
